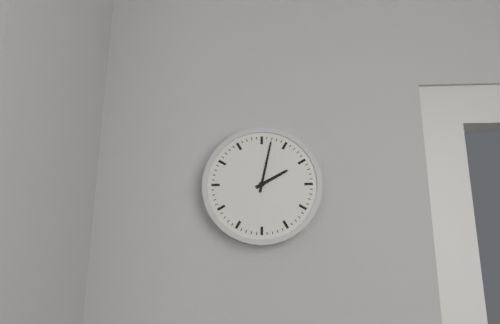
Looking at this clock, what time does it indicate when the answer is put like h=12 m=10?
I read h=2 m=2
